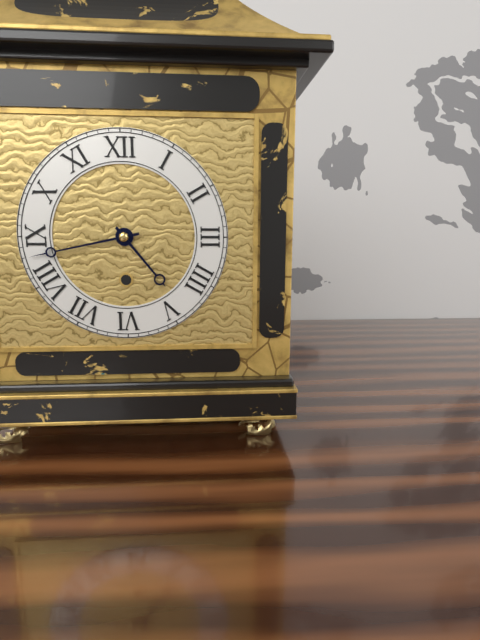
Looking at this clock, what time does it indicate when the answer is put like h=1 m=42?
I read h=4 m=43
